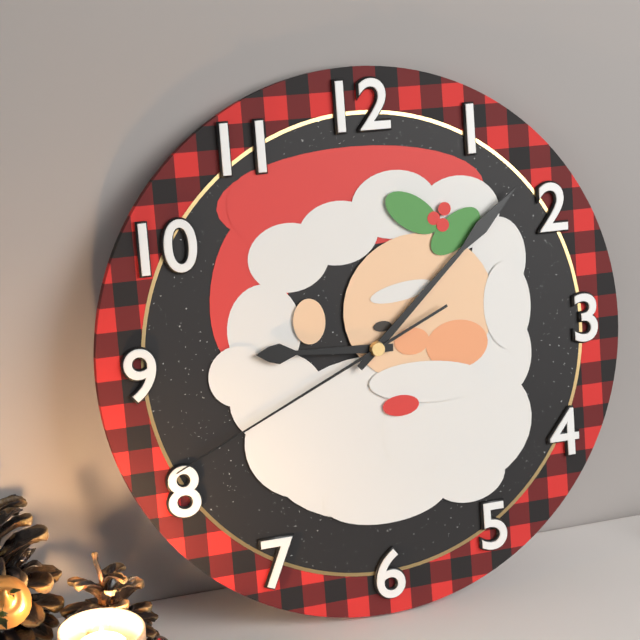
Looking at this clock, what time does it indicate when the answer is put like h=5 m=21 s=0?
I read h=9 m=8 s=41
